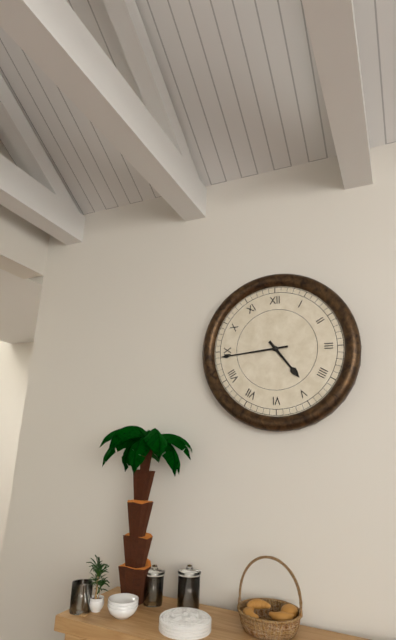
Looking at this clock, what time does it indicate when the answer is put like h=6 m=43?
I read h=4 m=44
